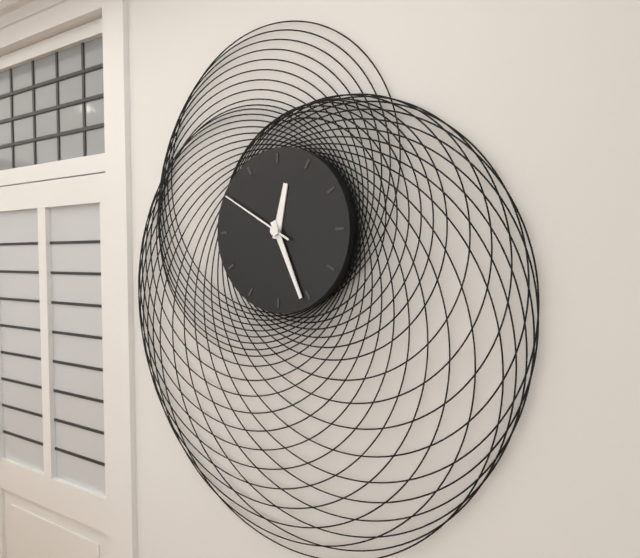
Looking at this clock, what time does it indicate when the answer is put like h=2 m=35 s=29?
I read h=12 m=26 s=50
